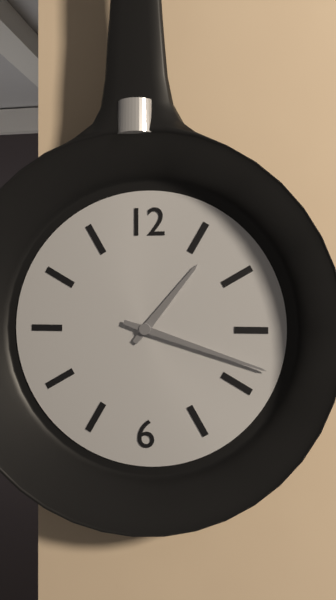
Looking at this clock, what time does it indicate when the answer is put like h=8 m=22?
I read h=1 m=18
